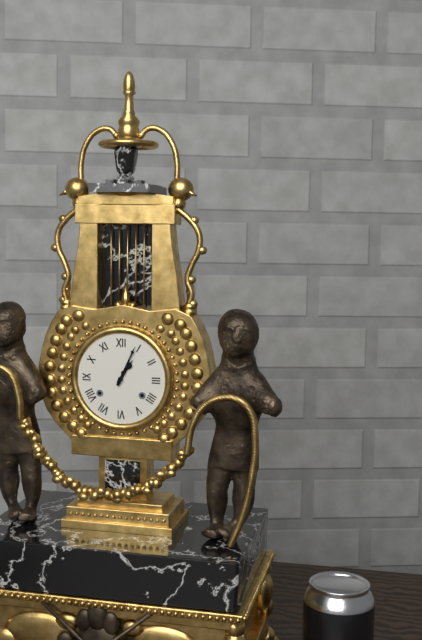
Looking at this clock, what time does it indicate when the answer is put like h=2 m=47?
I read h=1 m=4
